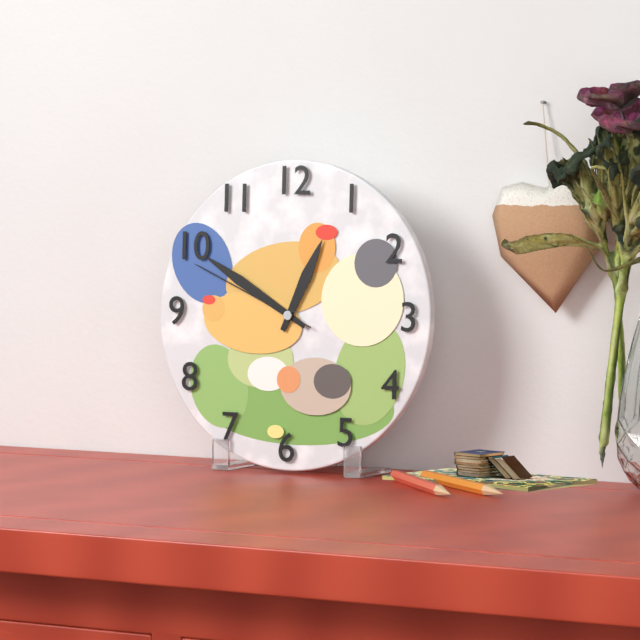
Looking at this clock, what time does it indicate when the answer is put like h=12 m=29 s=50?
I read h=12 m=50 s=49
